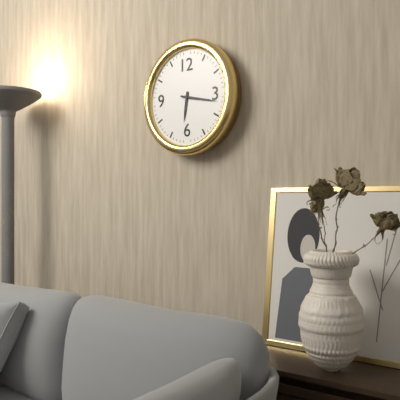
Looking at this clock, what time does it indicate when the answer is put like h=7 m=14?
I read h=6 m=17
